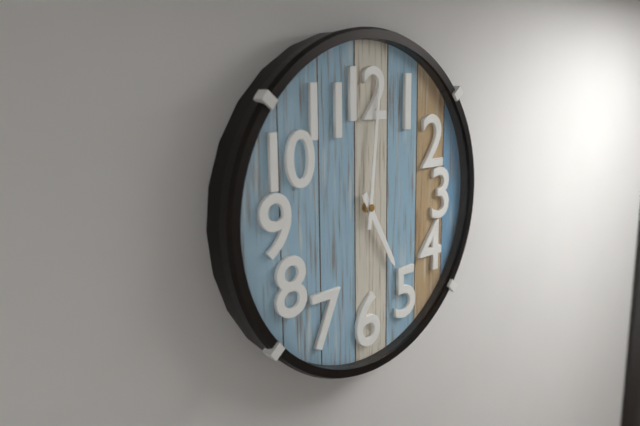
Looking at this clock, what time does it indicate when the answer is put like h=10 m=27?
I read h=5 m=1
